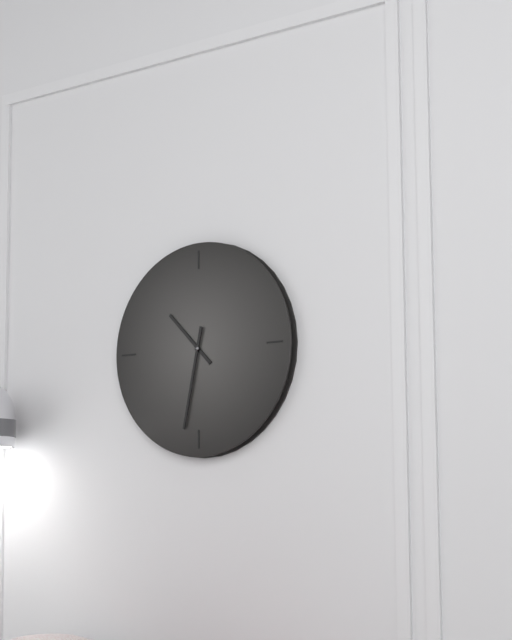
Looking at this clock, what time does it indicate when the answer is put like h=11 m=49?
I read h=10 m=32
